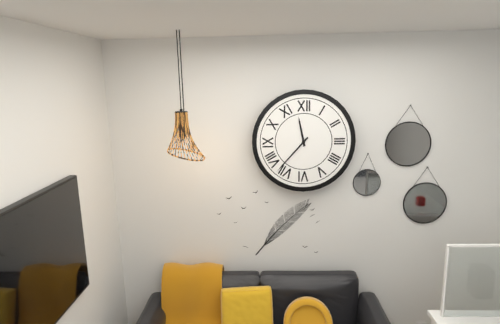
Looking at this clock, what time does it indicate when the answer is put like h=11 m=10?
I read h=11 m=37
